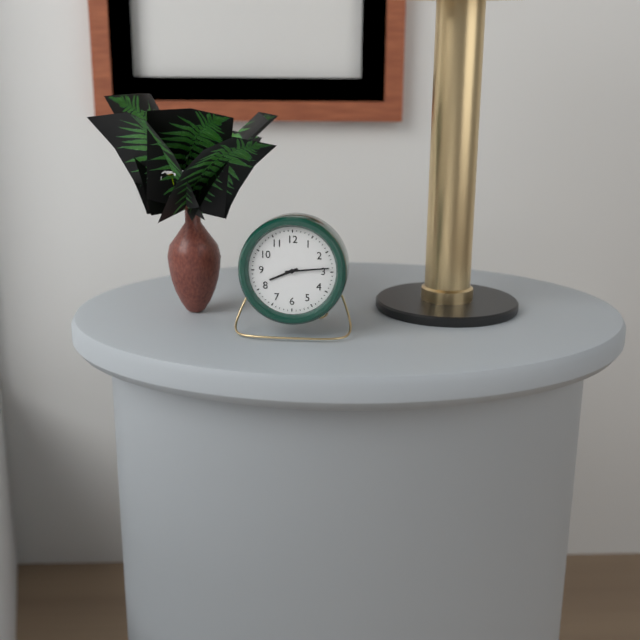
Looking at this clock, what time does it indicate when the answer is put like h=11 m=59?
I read h=8 m=14
